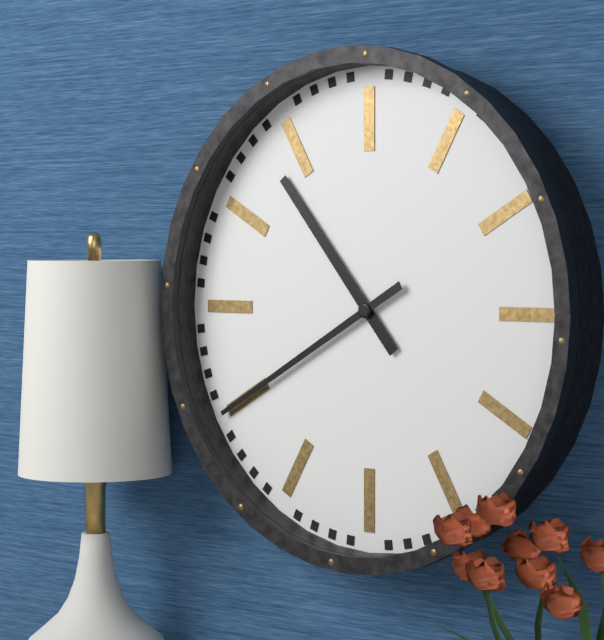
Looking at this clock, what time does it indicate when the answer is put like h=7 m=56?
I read h=10 m=40
